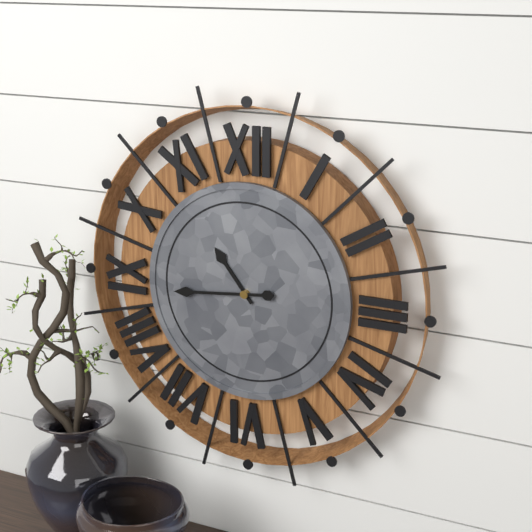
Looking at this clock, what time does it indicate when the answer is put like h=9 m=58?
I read h=10 m=44
